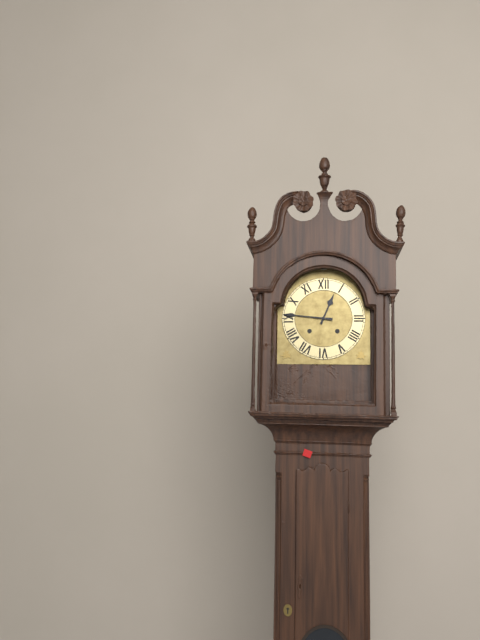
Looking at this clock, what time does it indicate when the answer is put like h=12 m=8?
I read h=12 m=46
